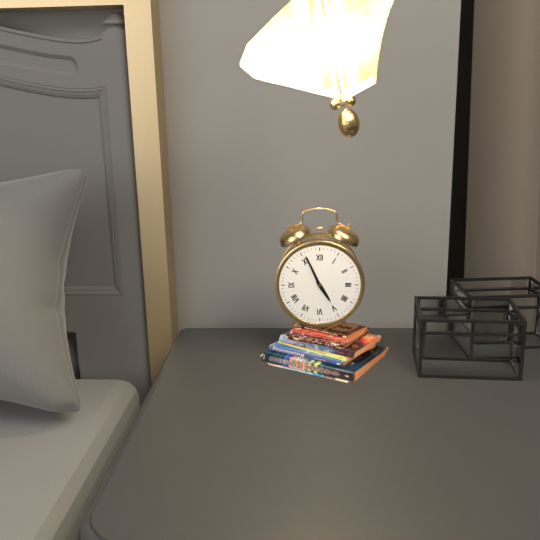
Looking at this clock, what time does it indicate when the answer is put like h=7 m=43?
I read h=4 m=56
